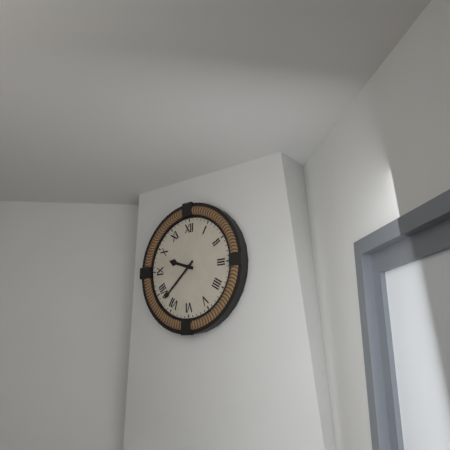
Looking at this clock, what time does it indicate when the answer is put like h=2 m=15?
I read h=9 m=38
